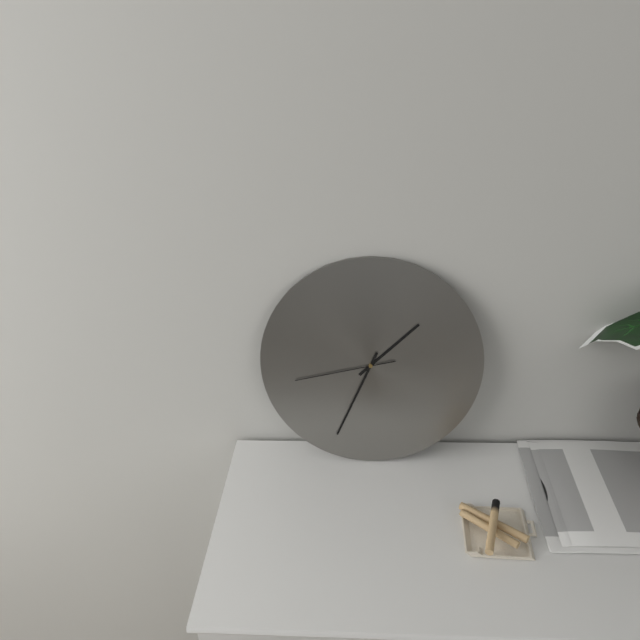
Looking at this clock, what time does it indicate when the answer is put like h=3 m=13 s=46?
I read h=1 m=34 s=43
